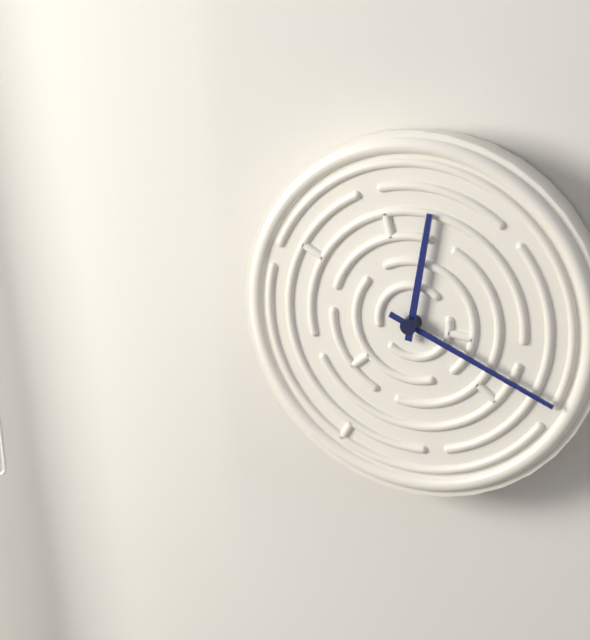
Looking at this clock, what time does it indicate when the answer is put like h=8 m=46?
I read h=12 m=19
